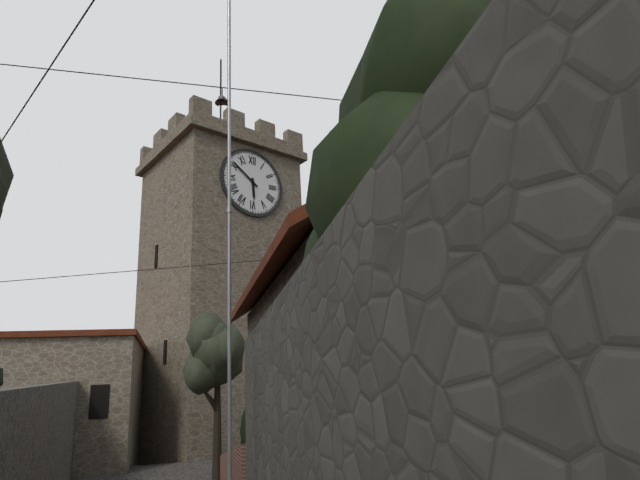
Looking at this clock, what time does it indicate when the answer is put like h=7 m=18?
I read h=5 m=51
